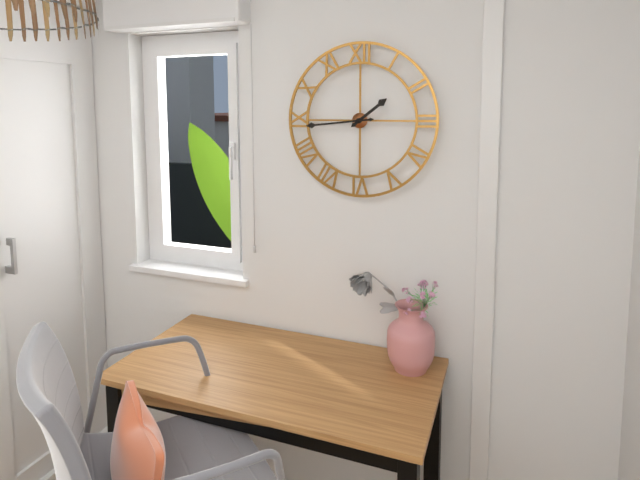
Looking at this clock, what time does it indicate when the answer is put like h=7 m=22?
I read h=1 m=44
